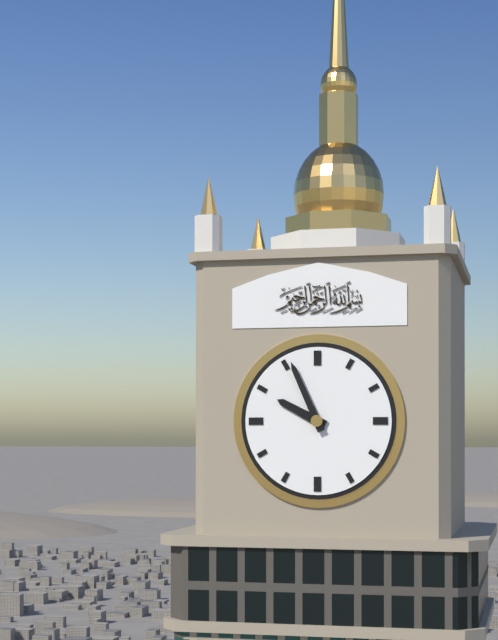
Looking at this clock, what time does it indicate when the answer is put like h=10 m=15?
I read h=9 m=56
